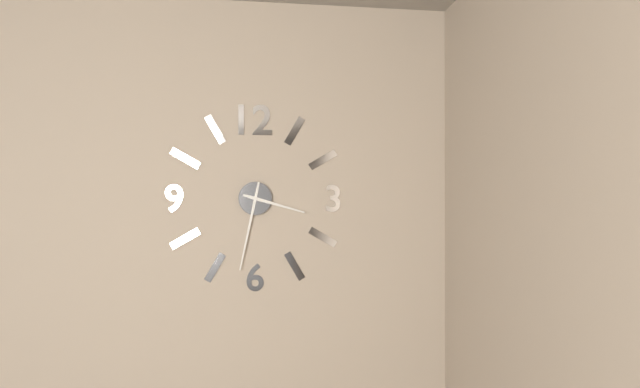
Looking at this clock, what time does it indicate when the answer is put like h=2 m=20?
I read h=3 m=32
